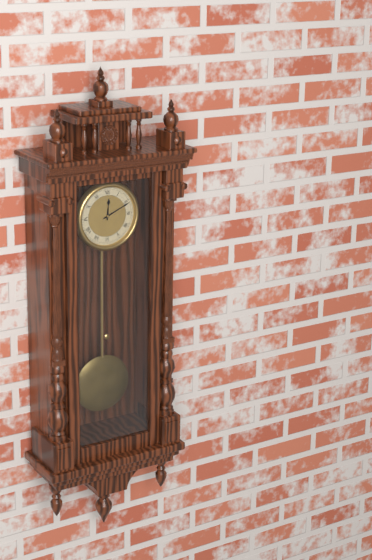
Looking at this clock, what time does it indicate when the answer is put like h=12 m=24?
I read h=12 m=11
